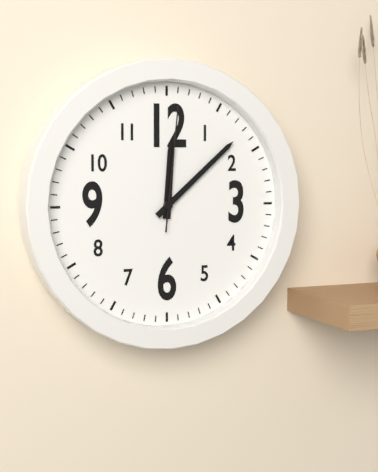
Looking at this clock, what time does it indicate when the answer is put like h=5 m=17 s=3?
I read h=12 m=8 s=1
